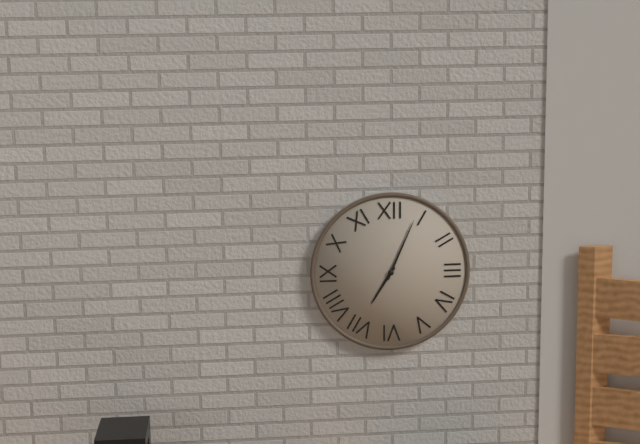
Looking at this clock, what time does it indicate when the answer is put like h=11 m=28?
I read h=7 m=4
